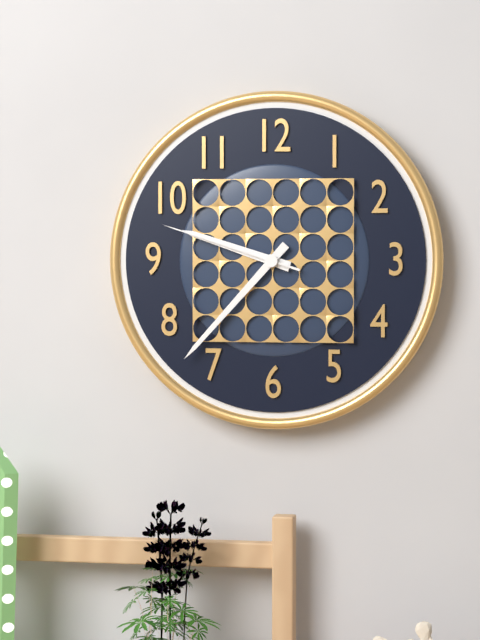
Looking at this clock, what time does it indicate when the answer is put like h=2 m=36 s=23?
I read h=9 m=37 s=48
